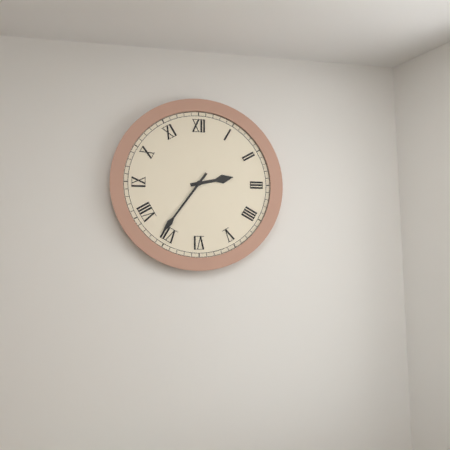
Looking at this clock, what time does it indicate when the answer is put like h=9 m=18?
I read h=2 m=36
